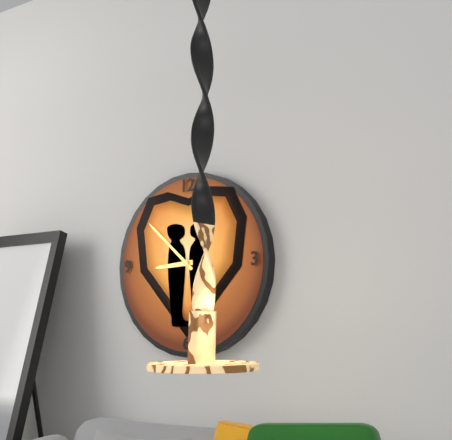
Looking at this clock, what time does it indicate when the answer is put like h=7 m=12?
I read h=8 m=52
